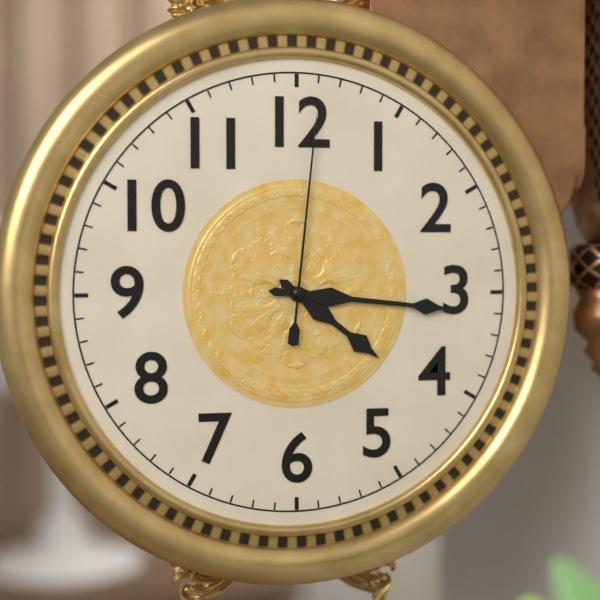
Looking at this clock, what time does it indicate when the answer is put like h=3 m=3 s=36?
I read h=4 m=16 s=1
